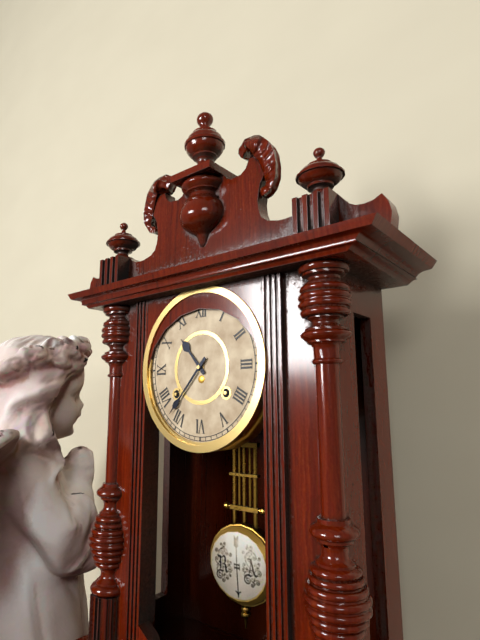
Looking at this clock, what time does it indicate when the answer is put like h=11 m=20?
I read h=10 m=37
